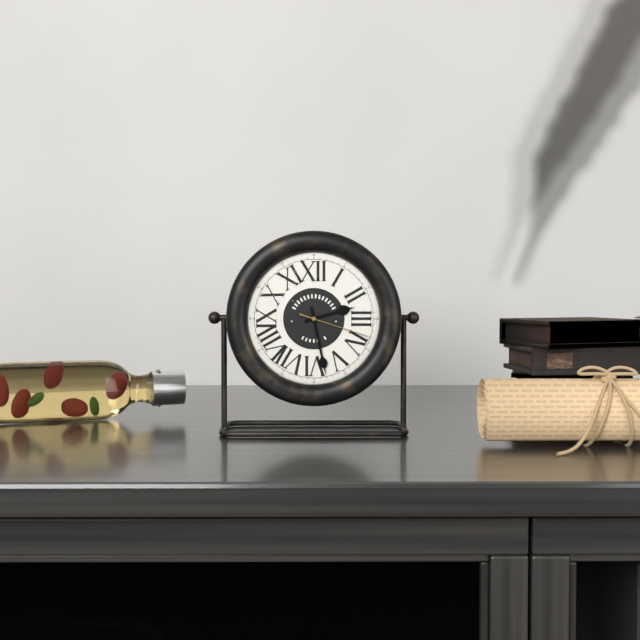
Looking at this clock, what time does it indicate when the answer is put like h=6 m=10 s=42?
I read h=2 m=28 s=18
